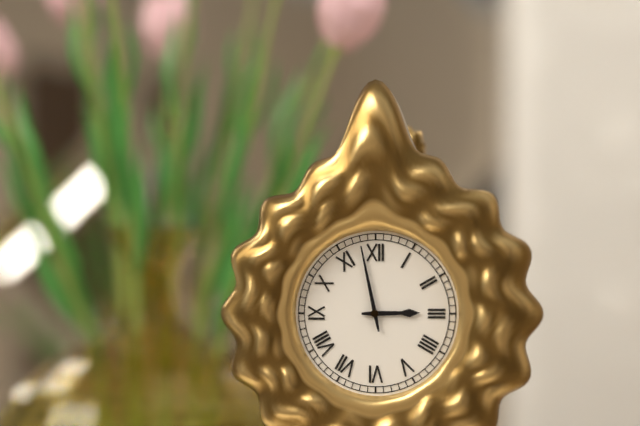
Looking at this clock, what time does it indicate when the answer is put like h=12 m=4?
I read h=2 m=58
